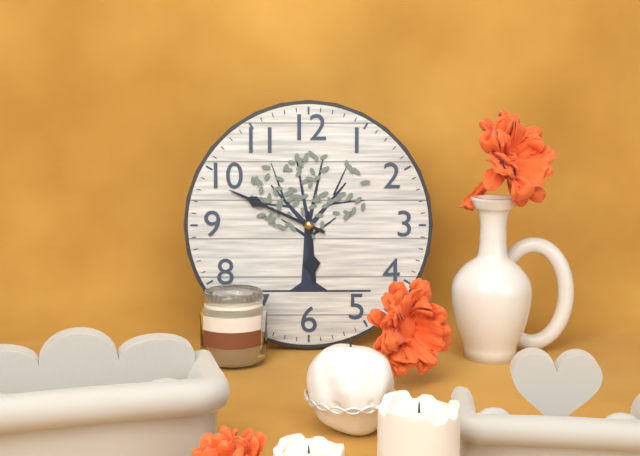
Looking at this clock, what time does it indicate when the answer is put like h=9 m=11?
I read h=5 m=49
